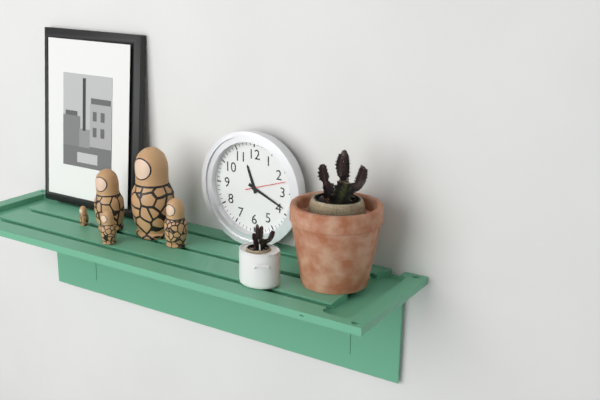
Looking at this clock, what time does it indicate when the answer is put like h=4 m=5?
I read h=11 m=19
